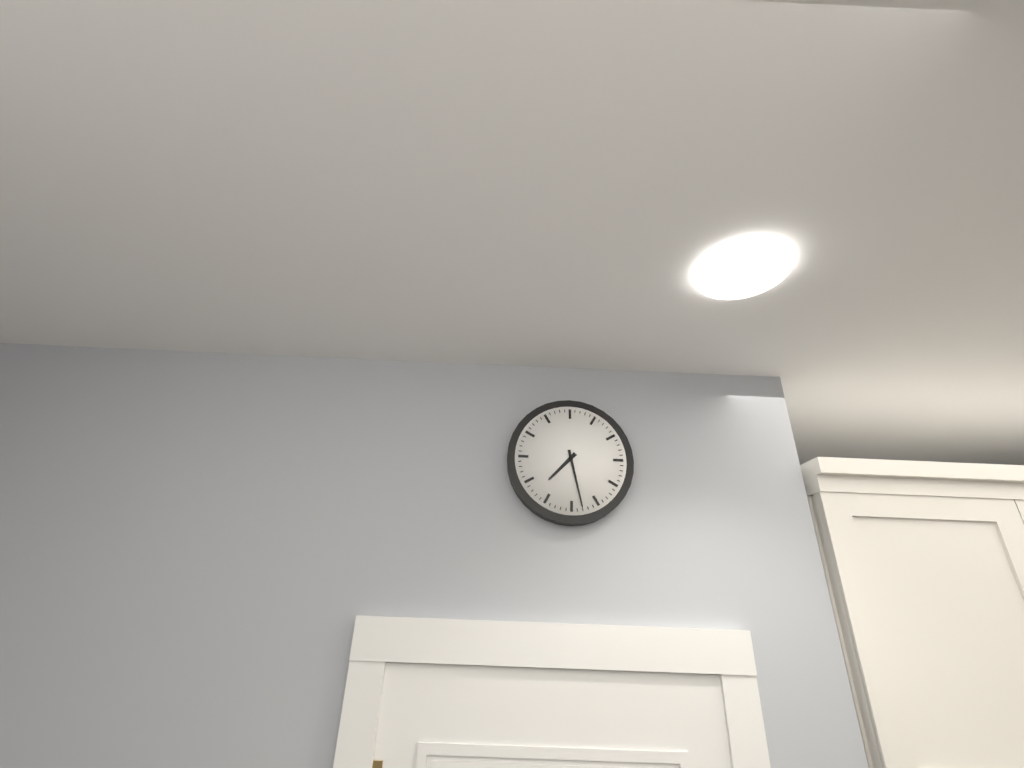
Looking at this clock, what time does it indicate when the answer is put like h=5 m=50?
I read h=7 m=28
